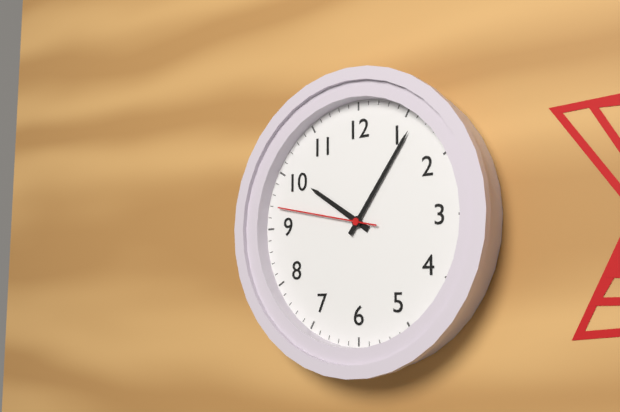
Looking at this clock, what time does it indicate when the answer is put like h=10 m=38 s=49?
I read h=10 m=6 s=47
